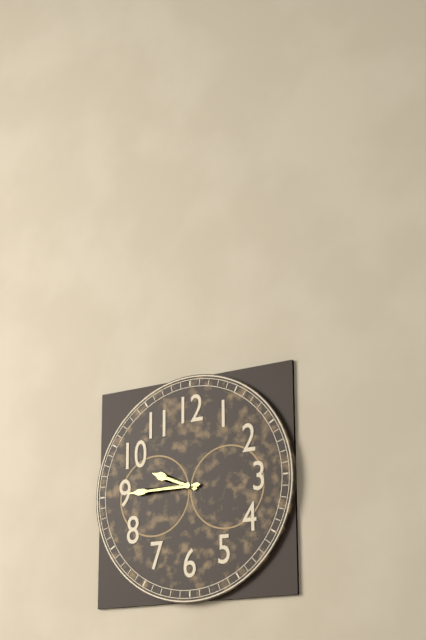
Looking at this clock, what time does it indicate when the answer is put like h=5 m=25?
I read h=9 m=45
